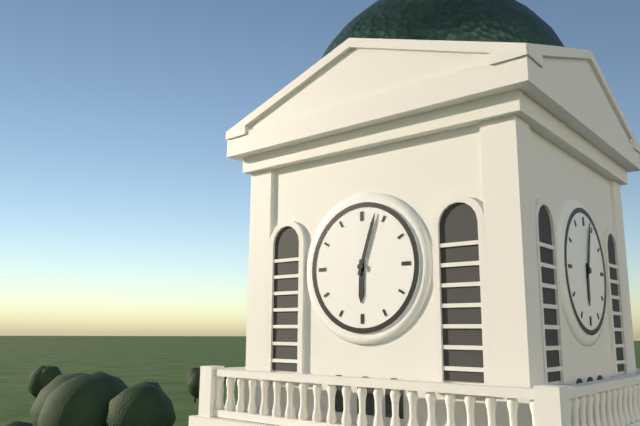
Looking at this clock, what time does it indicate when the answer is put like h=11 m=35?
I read h=6 m=3
